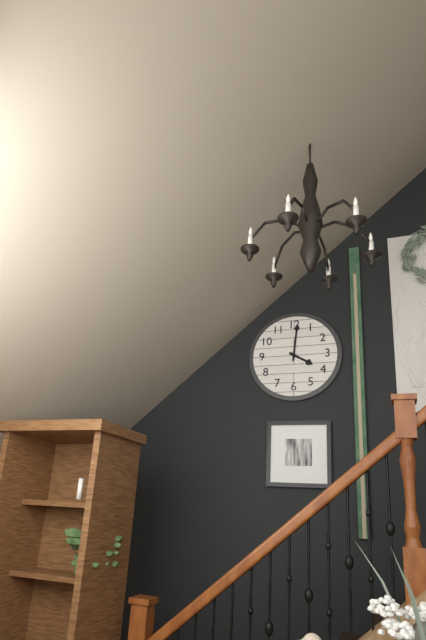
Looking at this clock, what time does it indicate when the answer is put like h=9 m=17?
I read h=4 m=1
